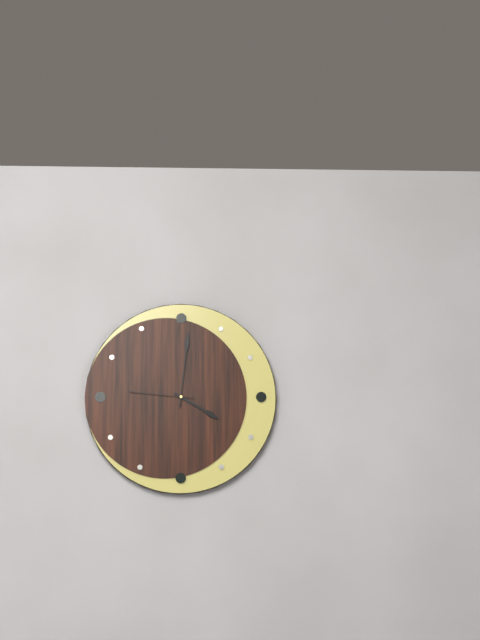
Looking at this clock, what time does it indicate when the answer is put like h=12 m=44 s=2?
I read h=4 m=1 s=46
